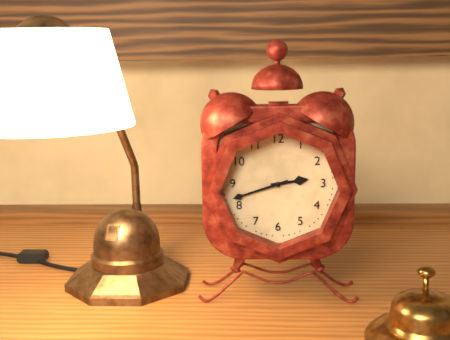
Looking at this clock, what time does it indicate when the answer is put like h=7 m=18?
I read h=2 m=42
